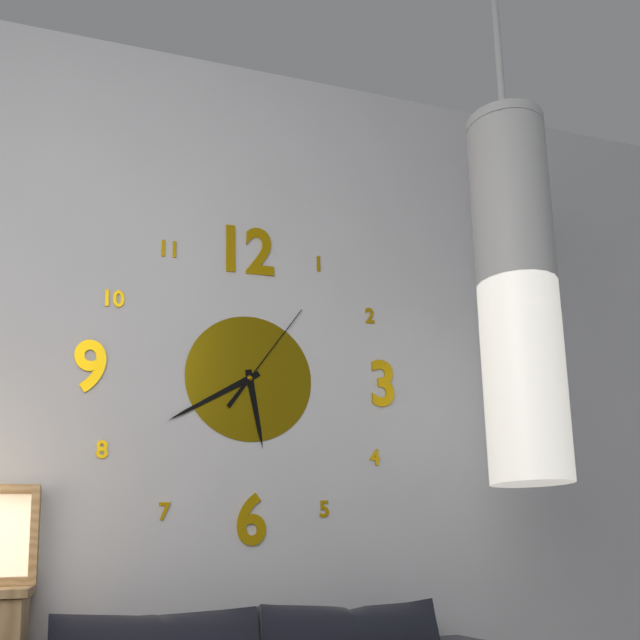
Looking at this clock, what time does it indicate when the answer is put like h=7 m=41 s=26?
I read h=5 m=40 s=6
